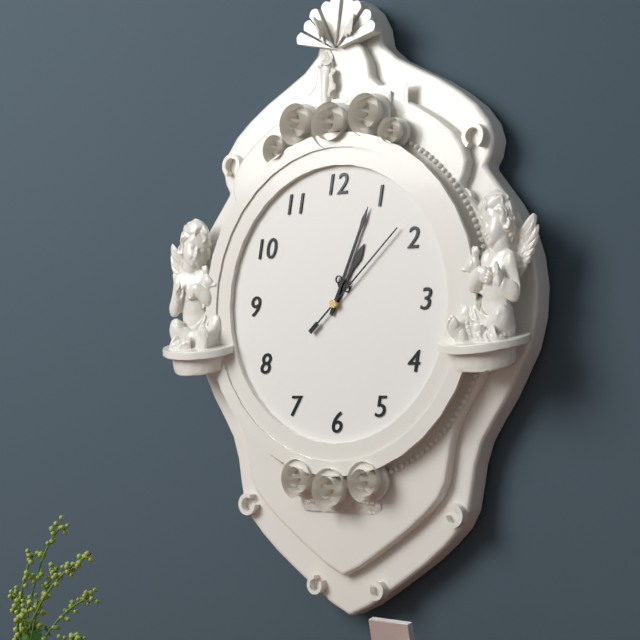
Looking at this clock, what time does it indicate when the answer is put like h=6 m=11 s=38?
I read h=1 m=4 s=8
